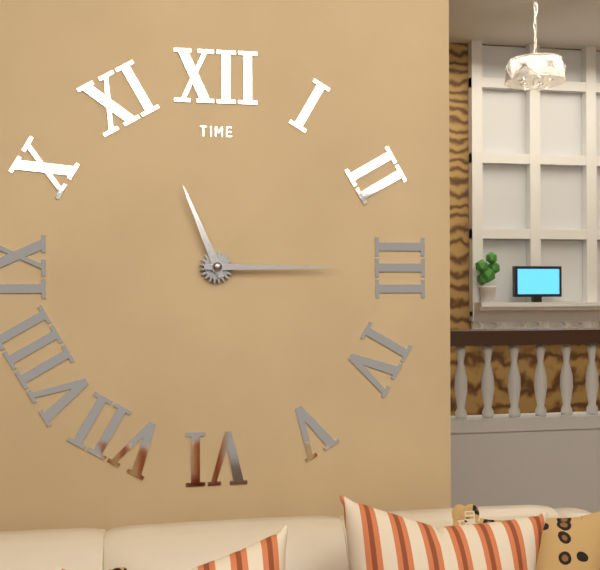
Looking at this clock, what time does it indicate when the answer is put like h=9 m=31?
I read h=11 m=15
